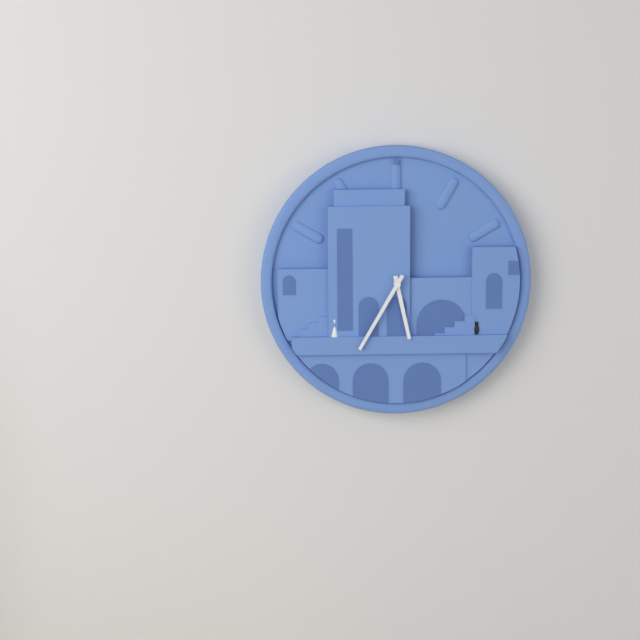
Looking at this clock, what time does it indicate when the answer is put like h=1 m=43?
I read h=5 m=35
